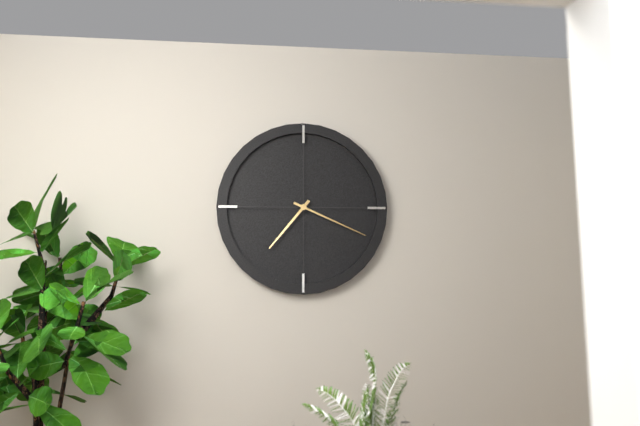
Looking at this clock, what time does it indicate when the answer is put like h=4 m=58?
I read h=7 m=19
